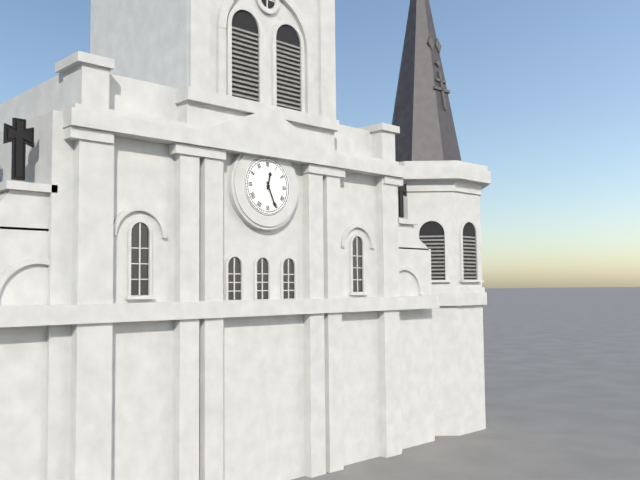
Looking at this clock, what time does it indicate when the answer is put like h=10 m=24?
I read h=12 m=26
